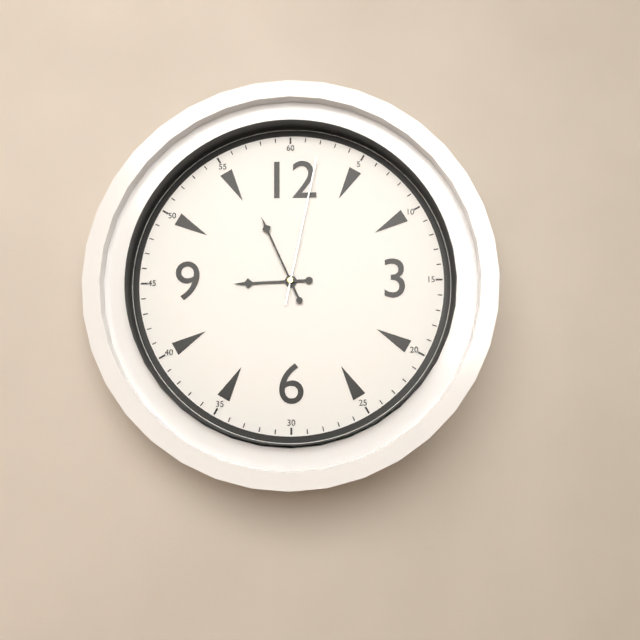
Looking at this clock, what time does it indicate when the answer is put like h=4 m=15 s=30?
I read h=8 m=56 s=2
